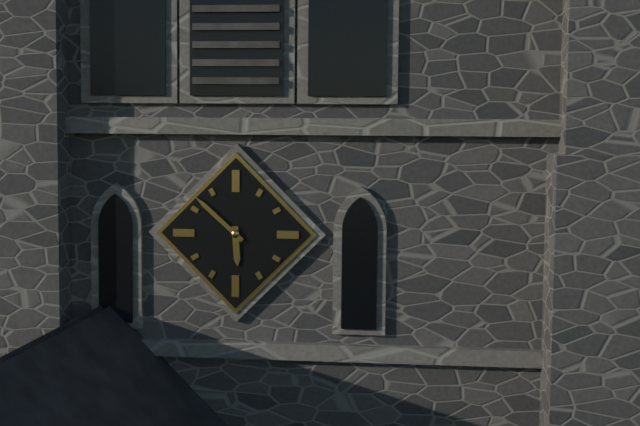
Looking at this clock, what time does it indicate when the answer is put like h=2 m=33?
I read h=5 m=52
